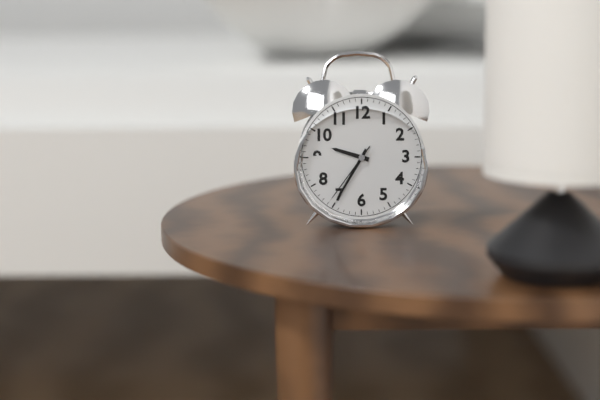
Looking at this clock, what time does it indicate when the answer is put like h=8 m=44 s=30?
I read h=9 m=35 s=36
